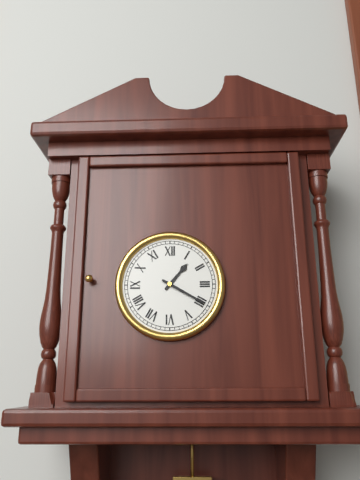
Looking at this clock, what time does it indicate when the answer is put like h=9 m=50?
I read h=1 m=20
